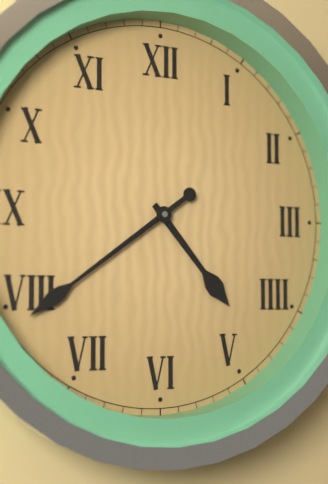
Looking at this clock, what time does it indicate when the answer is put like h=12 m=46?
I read h=4 m=39
